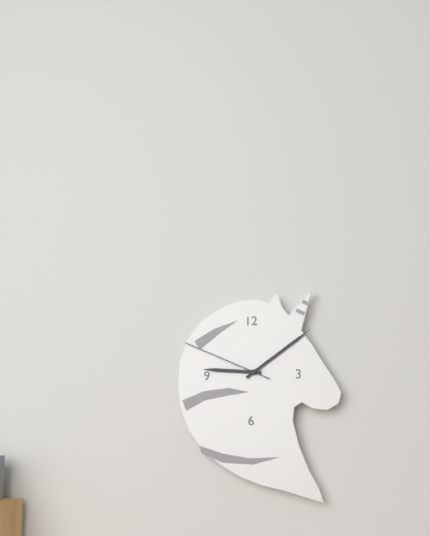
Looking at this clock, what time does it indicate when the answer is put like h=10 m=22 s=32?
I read h=9 m=9 s=49
